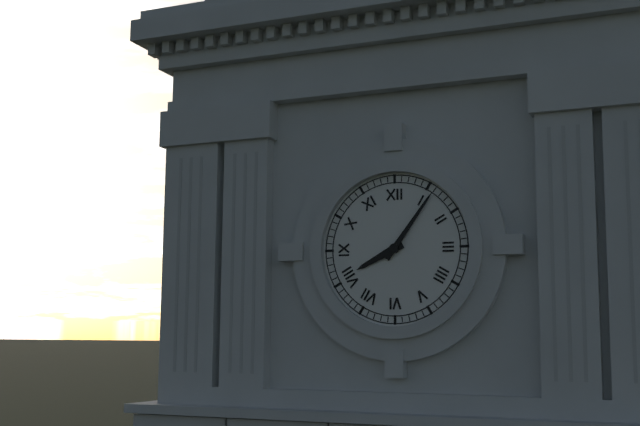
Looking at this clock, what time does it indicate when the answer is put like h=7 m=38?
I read h=8 m=6
